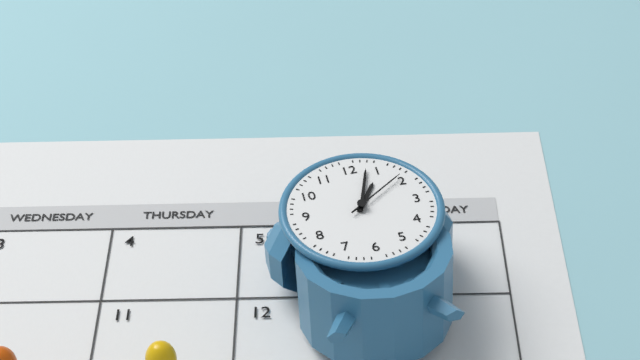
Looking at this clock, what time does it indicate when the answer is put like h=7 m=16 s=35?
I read h=1 m=3 s=9
